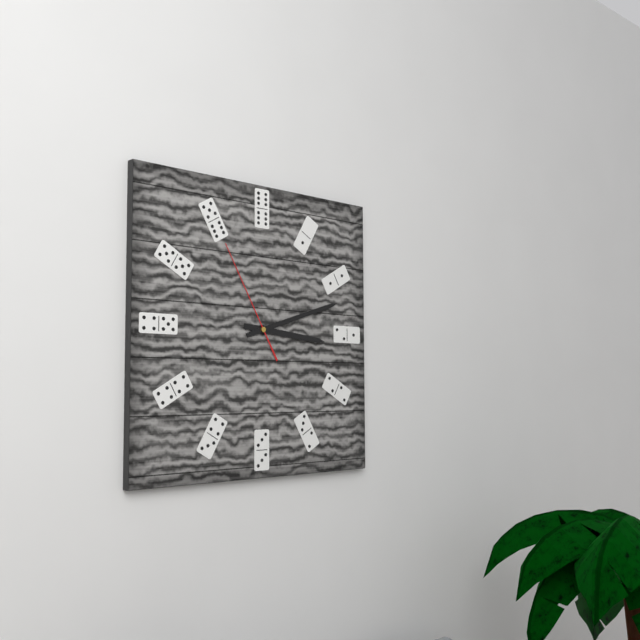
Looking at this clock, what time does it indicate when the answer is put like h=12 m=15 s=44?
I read h=3 m=12 s=55
